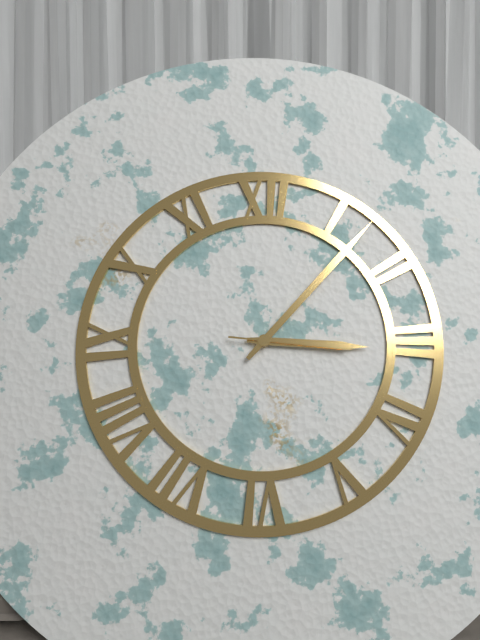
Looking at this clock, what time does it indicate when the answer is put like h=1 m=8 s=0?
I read h=3 m=7 s=16
